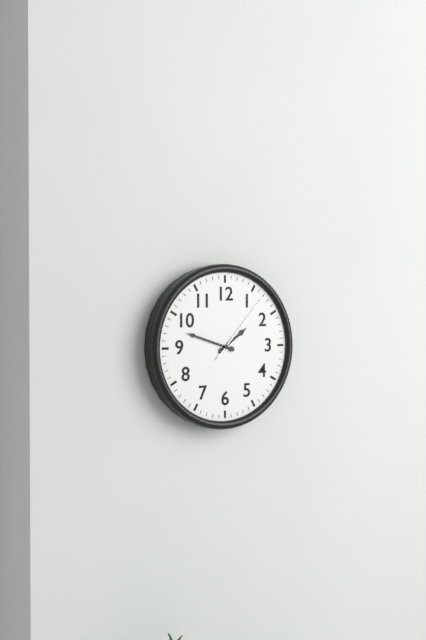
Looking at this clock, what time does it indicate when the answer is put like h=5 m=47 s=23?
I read h=1 m=48 s=7
